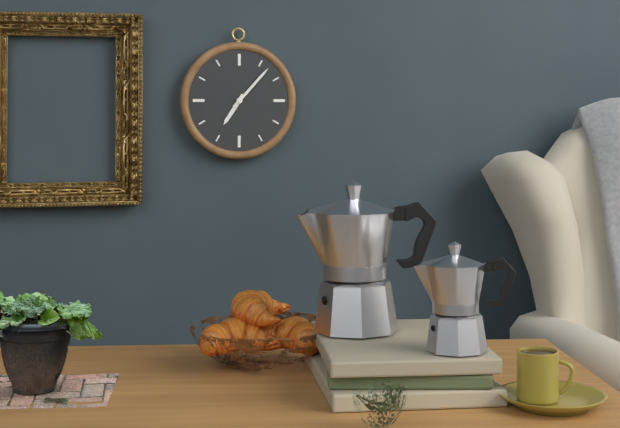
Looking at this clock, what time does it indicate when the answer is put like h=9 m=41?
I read h=7 m=7
